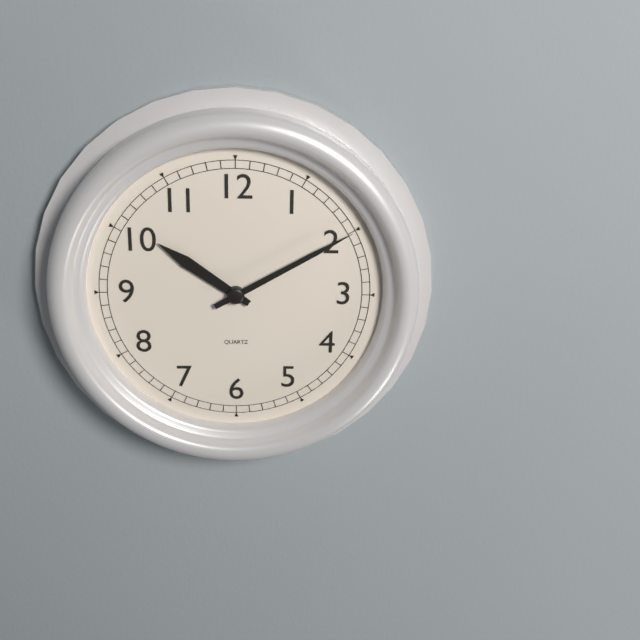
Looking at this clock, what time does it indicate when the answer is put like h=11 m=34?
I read h=10 m=10
